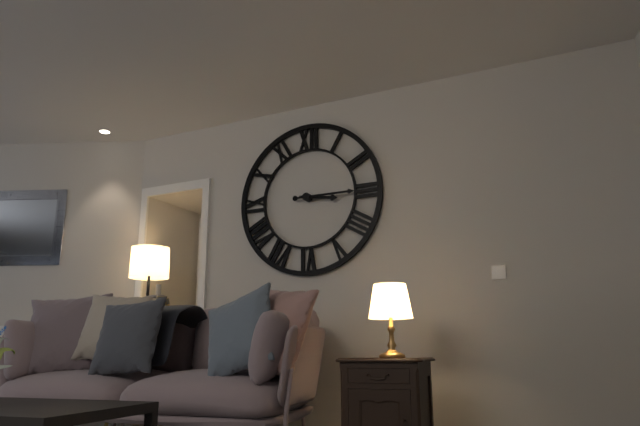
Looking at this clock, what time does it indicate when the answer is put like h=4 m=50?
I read h=3 m=15
